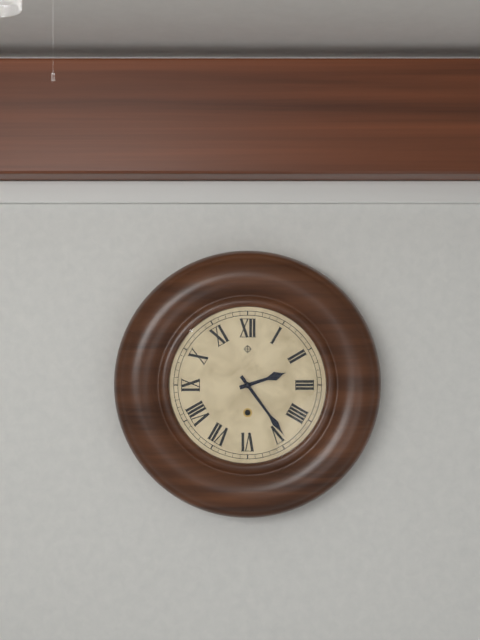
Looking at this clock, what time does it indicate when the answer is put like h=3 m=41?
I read h=2 m=24
